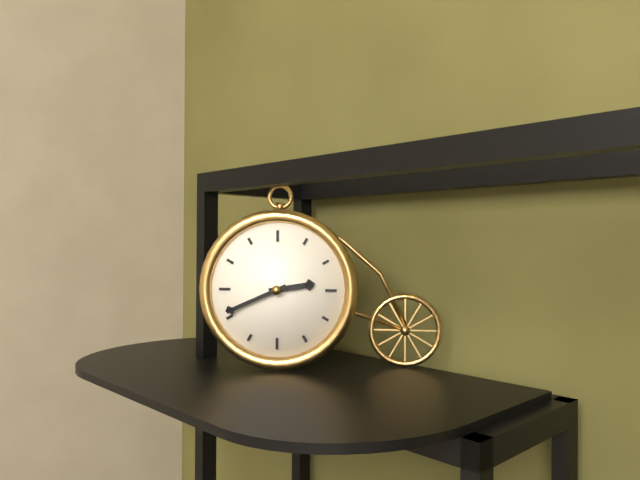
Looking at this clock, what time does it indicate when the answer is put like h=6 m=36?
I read h=2 m=41
